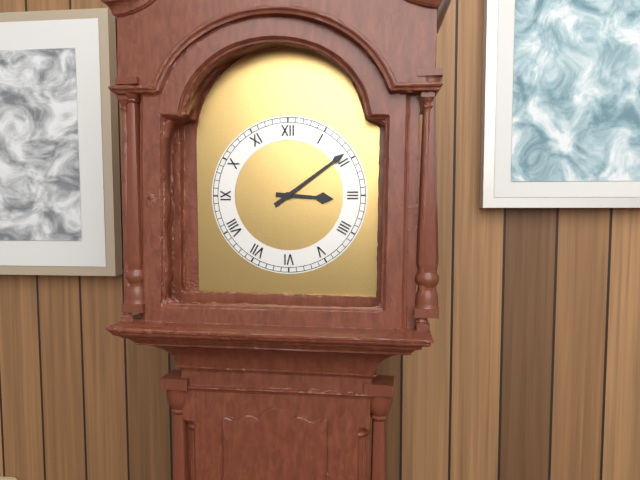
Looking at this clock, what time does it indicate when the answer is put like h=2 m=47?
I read h=3 m=9
